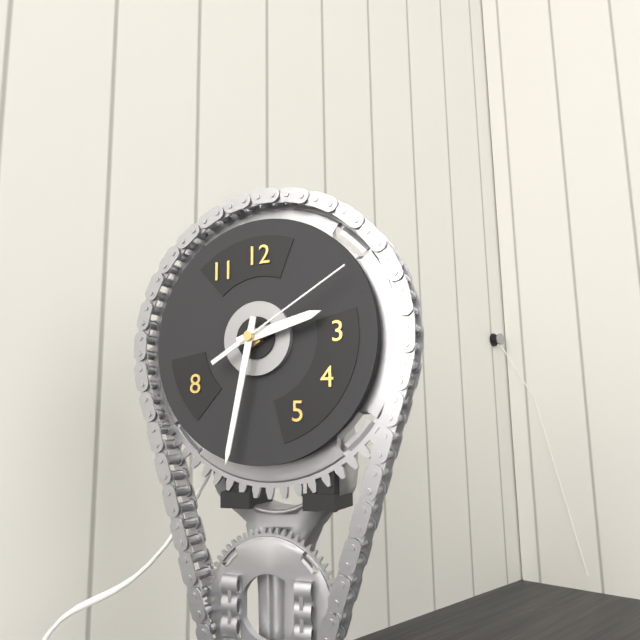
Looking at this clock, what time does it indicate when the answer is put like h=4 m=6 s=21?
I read h=2 m=32 s=10
